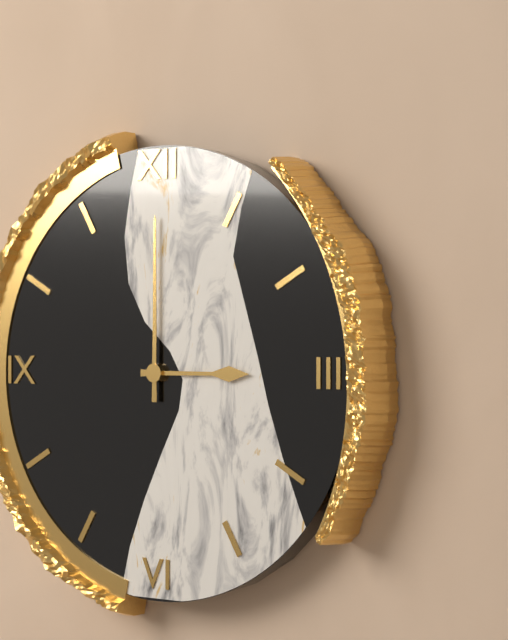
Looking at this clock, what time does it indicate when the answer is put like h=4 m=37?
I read h=3 m=0
